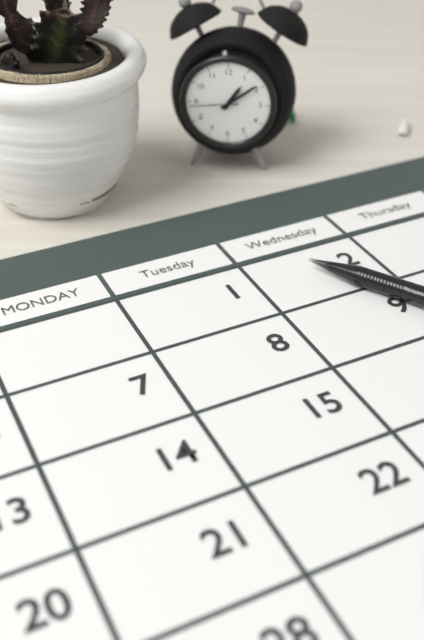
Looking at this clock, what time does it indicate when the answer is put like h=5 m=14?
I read h=1 m=9
